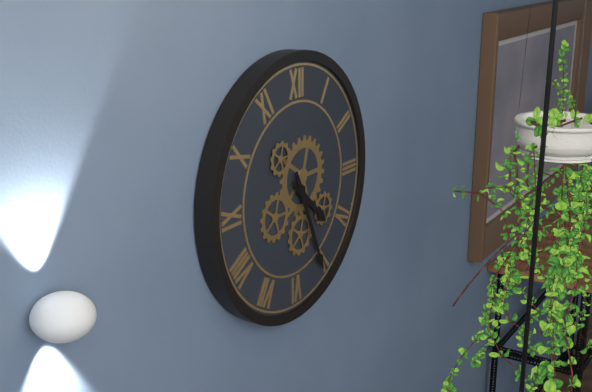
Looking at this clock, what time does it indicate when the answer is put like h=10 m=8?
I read h=4 m=26
